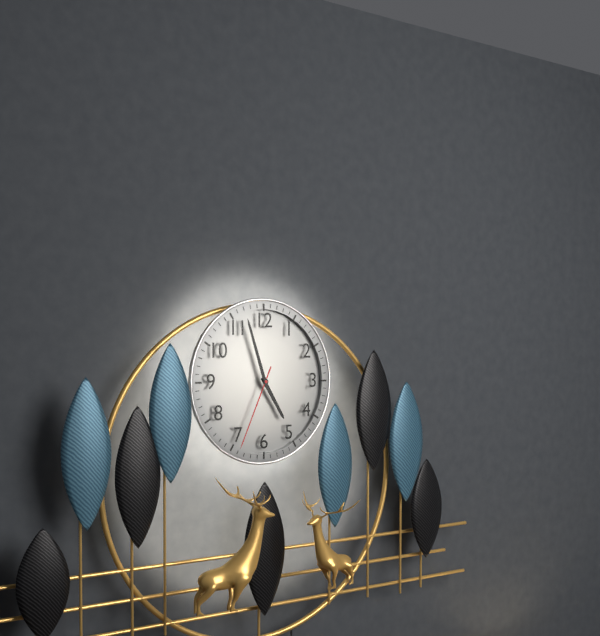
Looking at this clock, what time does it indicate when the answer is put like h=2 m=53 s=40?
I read h=4 m=57 s=34
